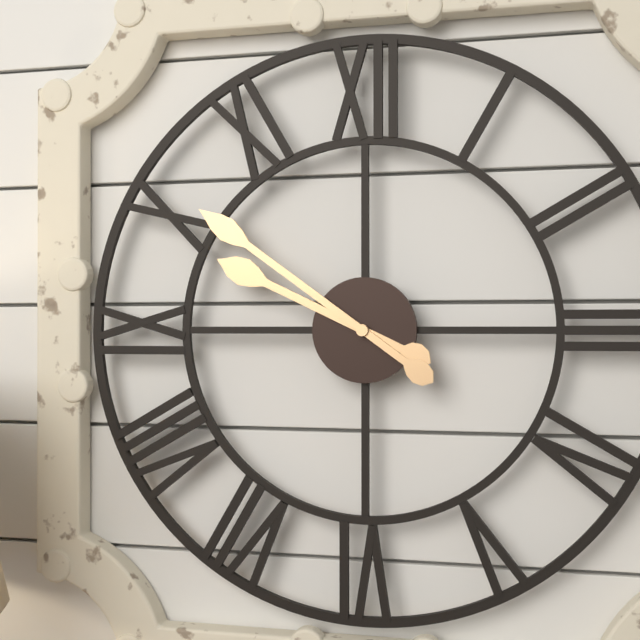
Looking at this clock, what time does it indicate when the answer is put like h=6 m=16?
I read h=9 m=51
